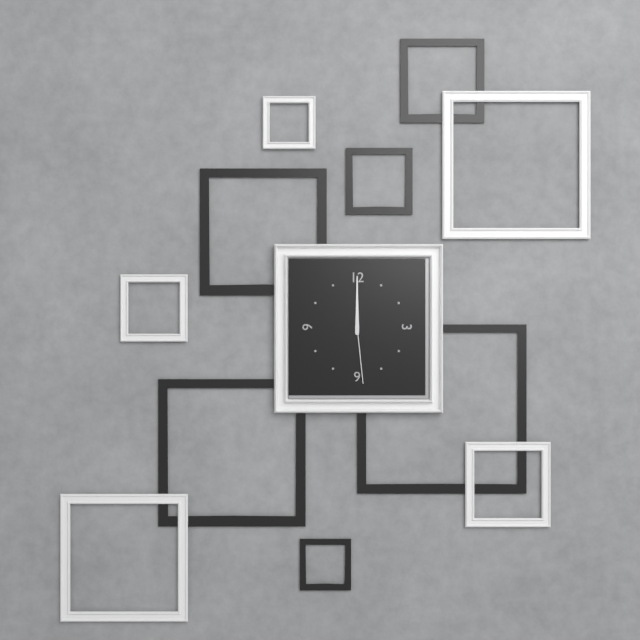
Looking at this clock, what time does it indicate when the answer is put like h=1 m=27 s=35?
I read h=12 m=0 s=29
